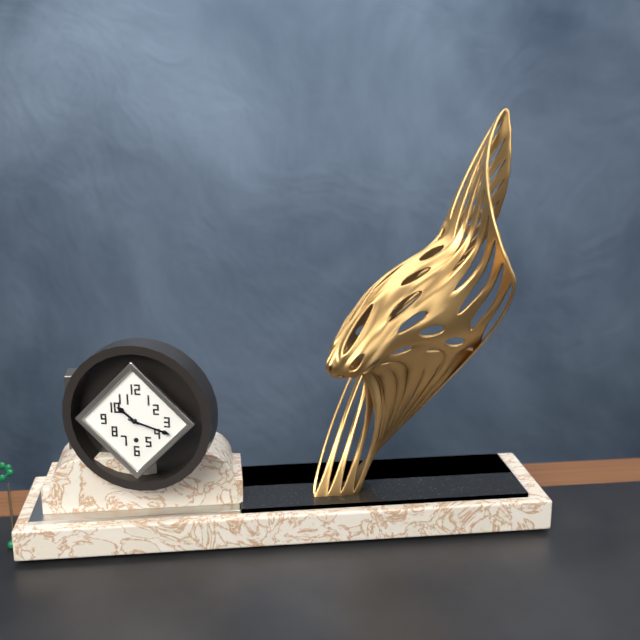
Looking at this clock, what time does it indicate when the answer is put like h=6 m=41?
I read h=10 m=18
